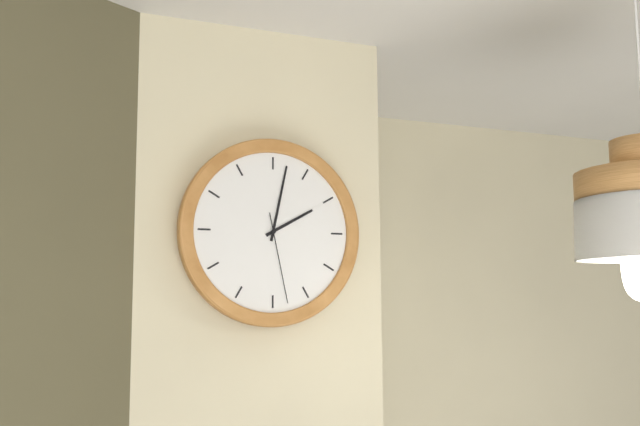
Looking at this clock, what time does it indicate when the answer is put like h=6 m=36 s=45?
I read h=2 m=2 s=28
